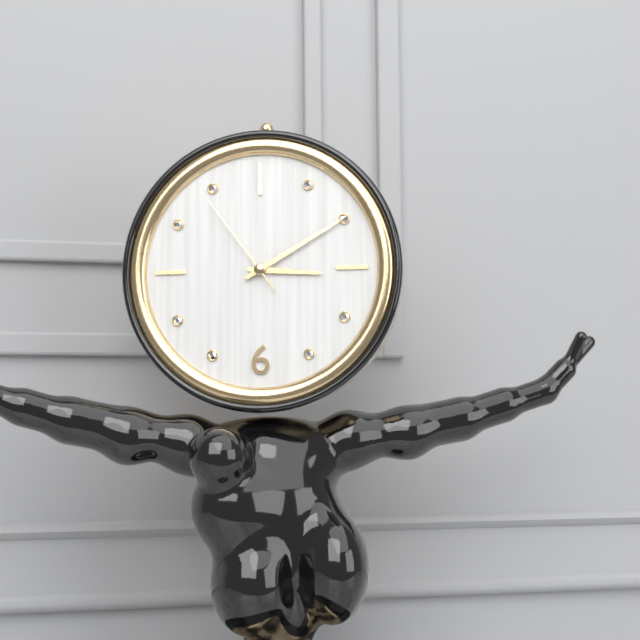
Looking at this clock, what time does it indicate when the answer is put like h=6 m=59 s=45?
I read h=3 m=10 s=54
